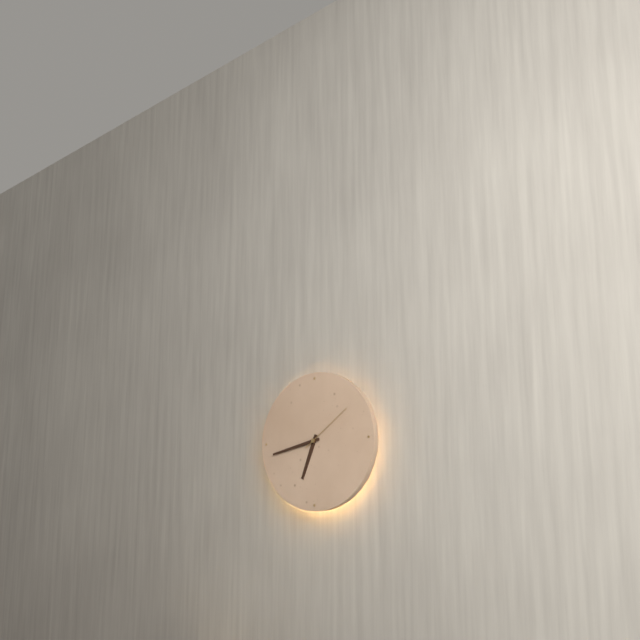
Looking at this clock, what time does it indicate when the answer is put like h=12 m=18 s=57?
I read h=6 m=43 s=9
